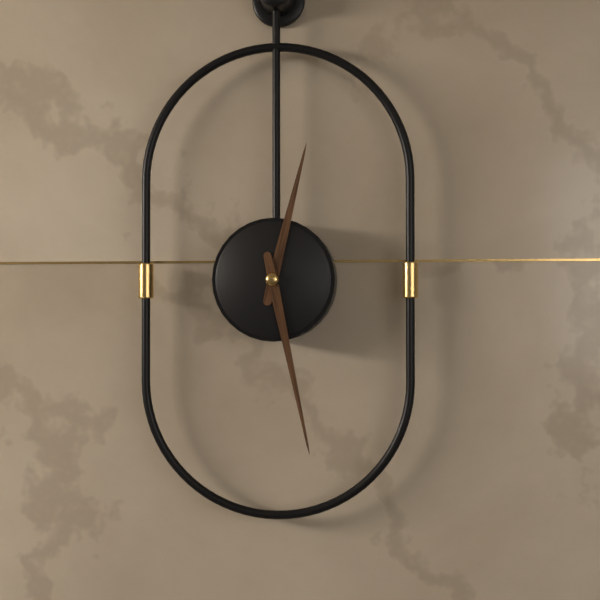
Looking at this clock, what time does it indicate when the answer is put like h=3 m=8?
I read h=12 m=28
